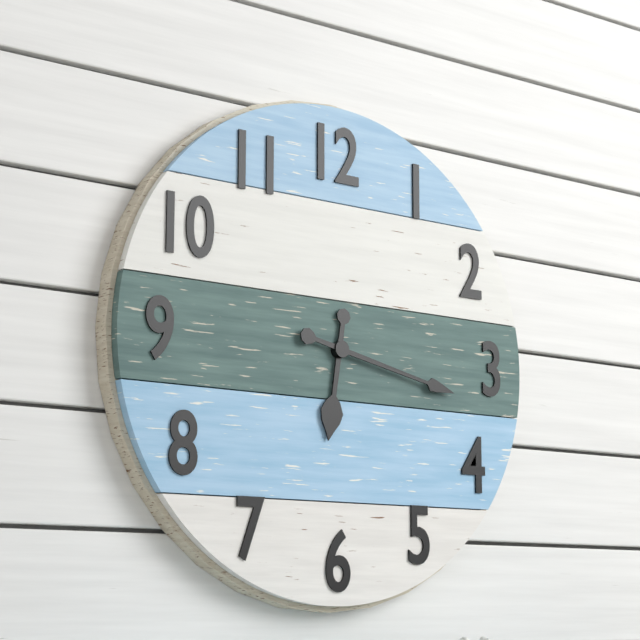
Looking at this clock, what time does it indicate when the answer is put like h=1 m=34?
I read h=6 m=17
